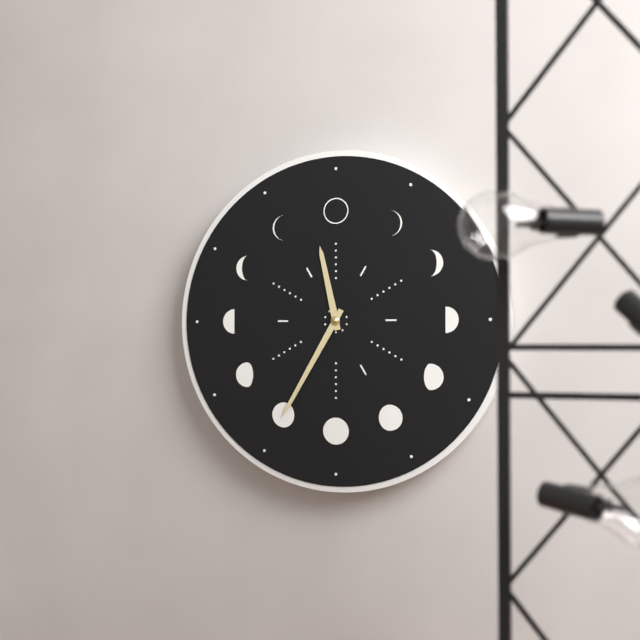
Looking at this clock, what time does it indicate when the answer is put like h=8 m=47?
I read h=11 m=35
